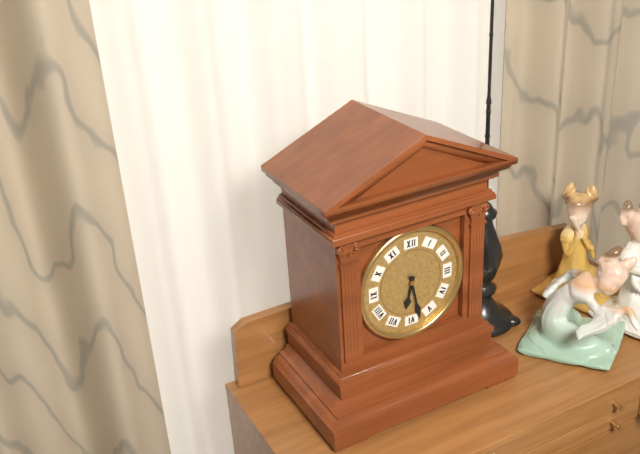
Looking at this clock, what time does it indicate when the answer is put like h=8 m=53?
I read h=6 m=28
